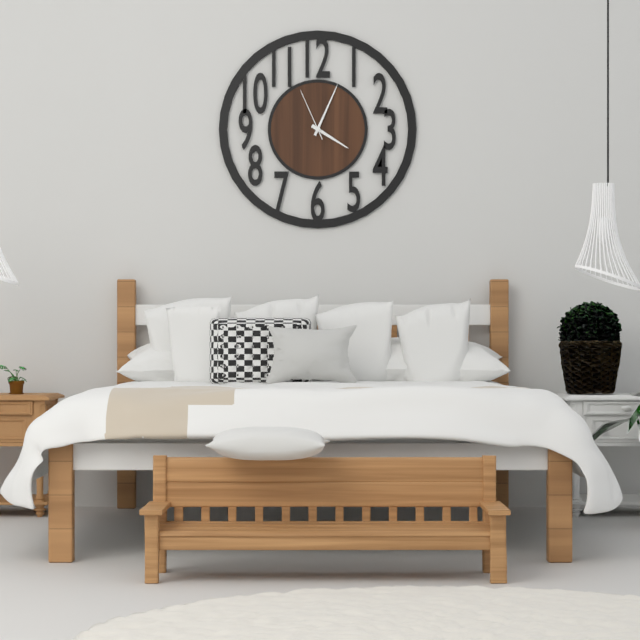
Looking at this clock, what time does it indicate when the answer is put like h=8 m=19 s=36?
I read h=4 m=4 s=56
